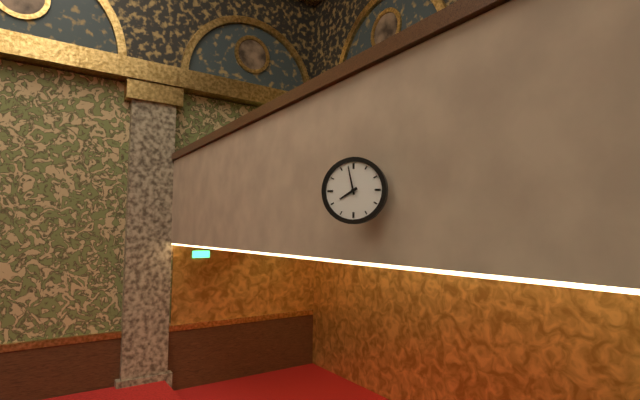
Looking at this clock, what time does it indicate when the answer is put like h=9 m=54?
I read h=7 m=58
